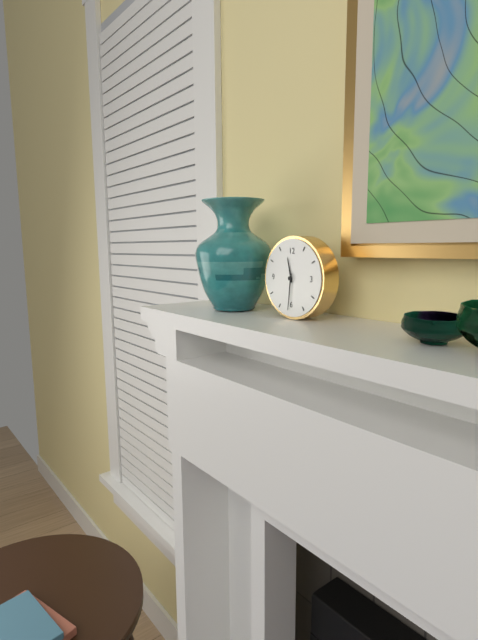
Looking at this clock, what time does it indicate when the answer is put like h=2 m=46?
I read h=11 m=31
